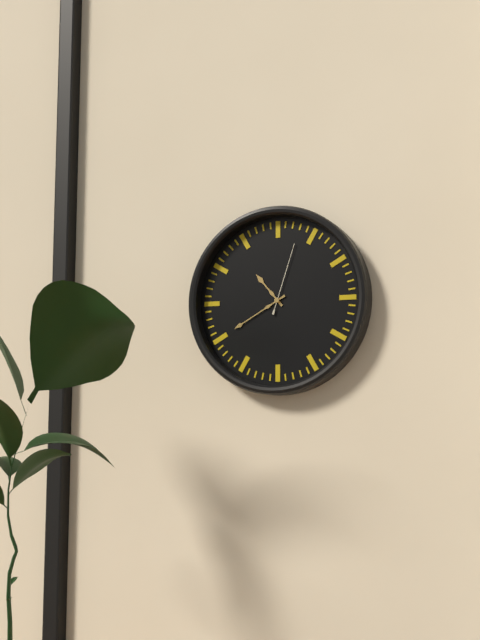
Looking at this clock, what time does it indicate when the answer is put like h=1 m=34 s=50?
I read h=10 m=40 s=3
